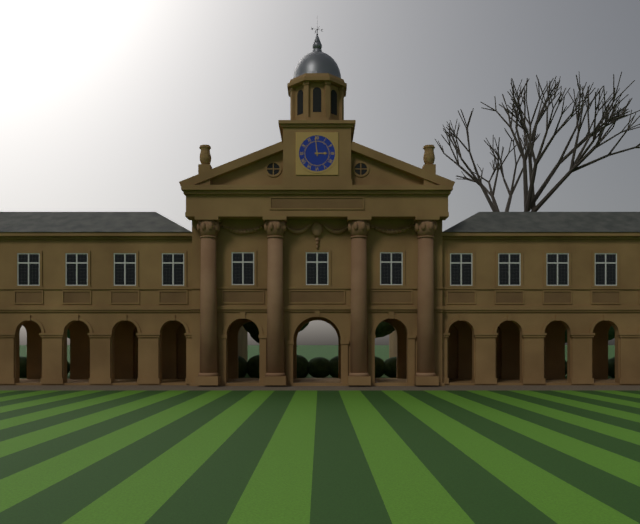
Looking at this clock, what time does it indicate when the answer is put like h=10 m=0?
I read h=2 m=59
